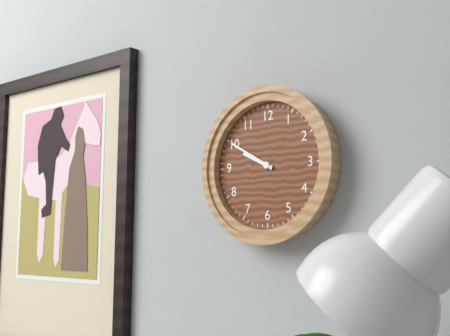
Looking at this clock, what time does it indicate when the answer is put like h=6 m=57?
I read h=9 m=50
